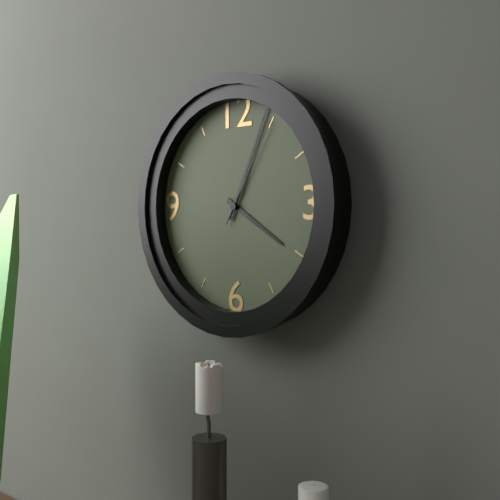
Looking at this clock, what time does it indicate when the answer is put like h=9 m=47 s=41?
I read h=4 m=4 s=5
